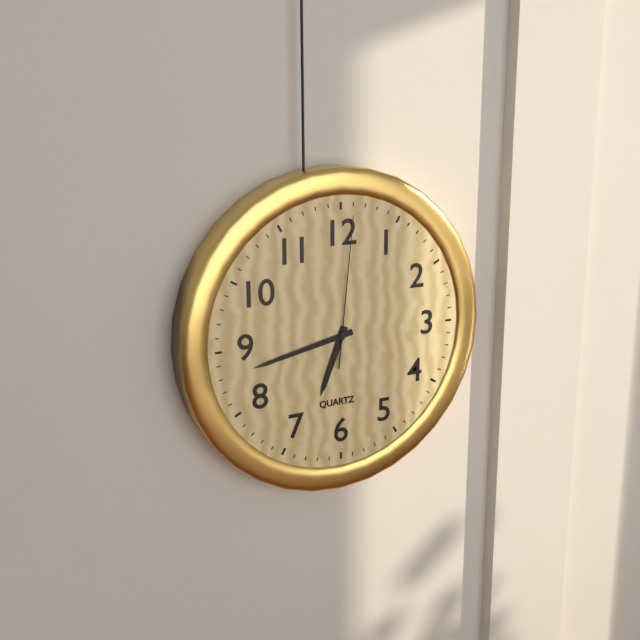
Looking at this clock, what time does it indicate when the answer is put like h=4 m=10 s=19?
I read h=6 m=43 s=1
